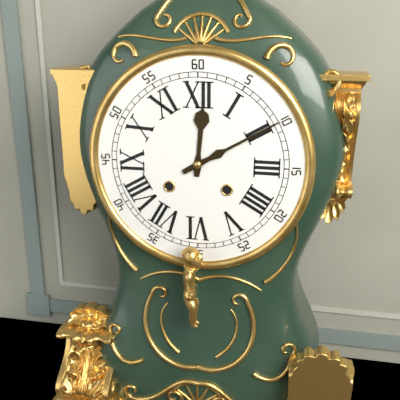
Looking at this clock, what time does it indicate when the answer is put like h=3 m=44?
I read h=12 m=10
